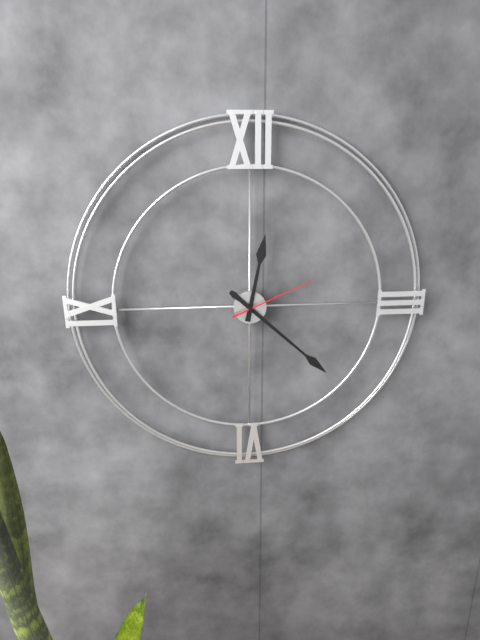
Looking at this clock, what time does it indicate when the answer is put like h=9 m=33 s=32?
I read h=12 m=22 s=11
